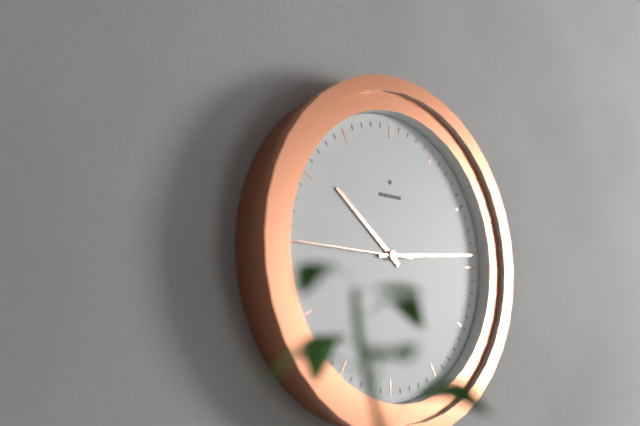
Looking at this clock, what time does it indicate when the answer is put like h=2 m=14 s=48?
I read h=10 m=14 s=45
